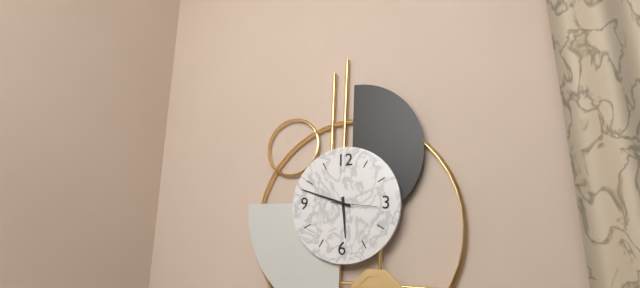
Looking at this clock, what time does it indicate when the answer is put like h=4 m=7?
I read h=5 m=48
